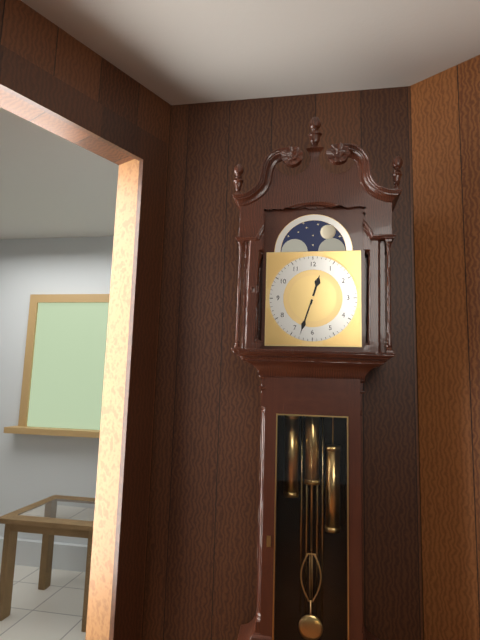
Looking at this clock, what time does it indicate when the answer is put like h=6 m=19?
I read h=12 m=33
